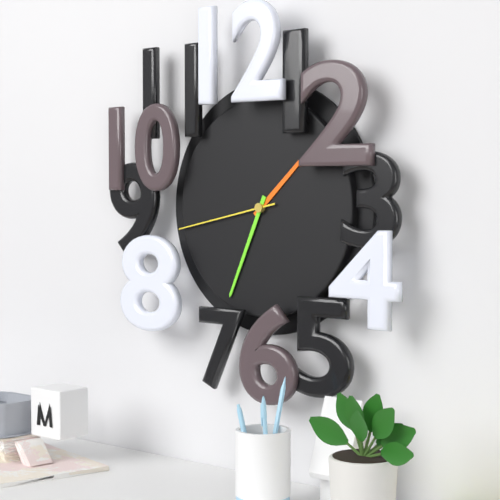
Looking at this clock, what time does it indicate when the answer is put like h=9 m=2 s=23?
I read h=1 m=34 s=43
